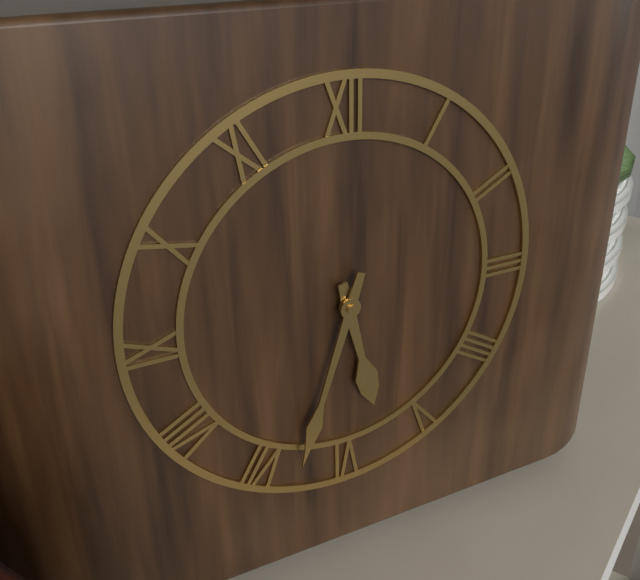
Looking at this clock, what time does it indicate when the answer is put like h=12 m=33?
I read h=5 m=33
